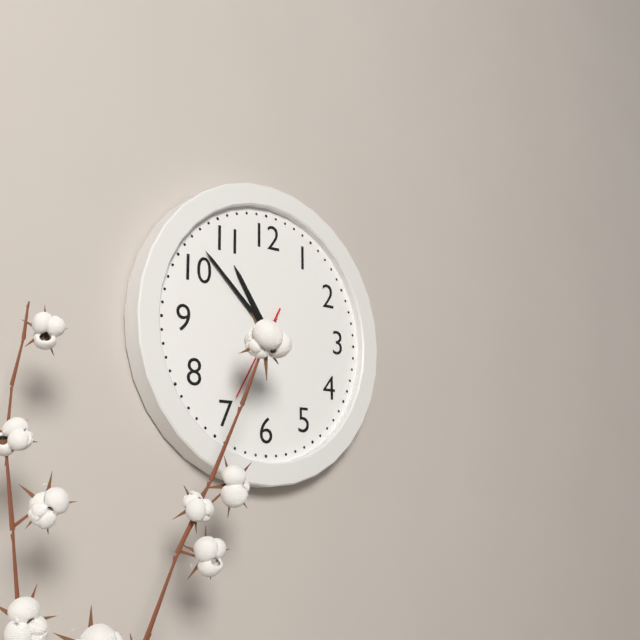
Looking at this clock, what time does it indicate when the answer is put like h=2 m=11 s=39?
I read h=10 m=52 s=35
